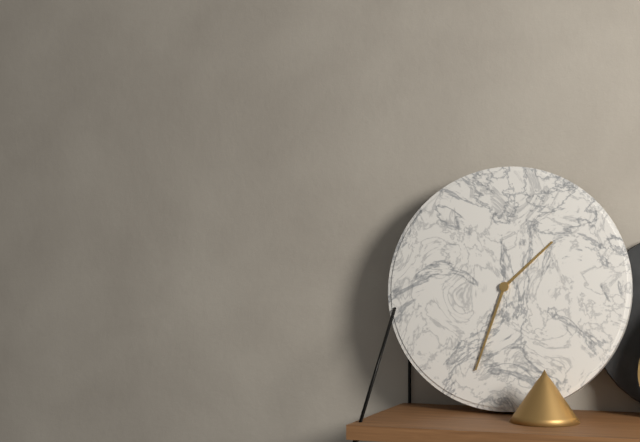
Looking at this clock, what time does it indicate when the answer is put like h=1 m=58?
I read h=1 m=33
